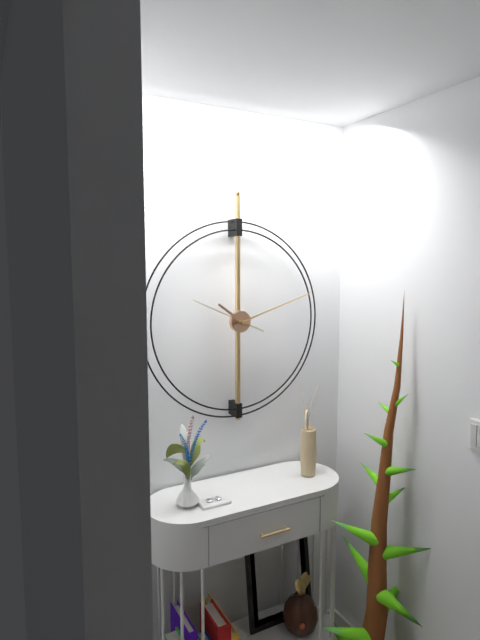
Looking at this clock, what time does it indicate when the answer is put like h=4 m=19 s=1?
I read h=10 m=12 s=49
